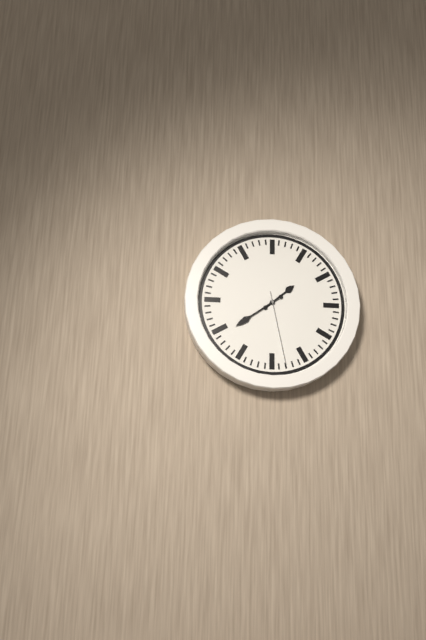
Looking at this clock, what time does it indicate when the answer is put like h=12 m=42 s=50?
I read h=1 m=39 s=28
